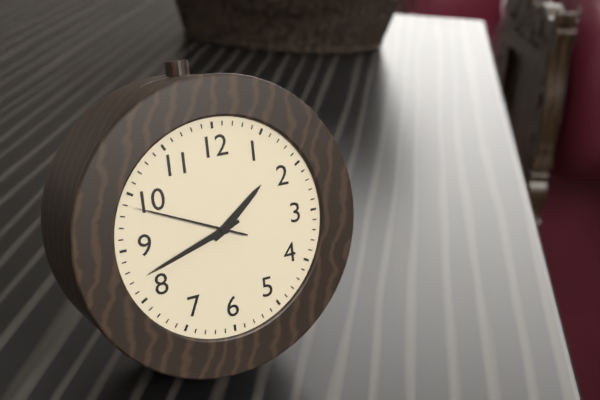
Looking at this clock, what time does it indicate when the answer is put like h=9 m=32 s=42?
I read h=1 m=42 s=49
